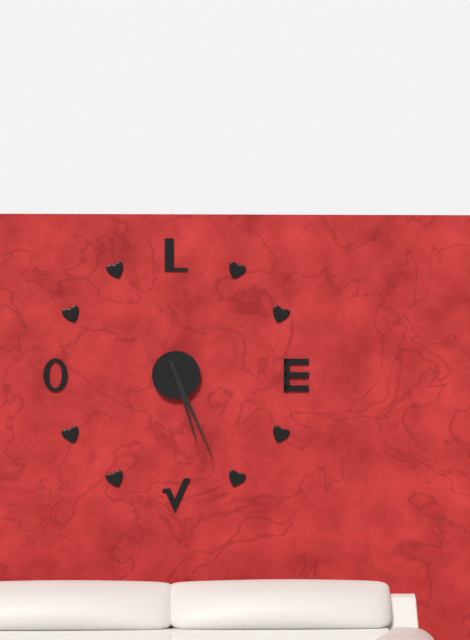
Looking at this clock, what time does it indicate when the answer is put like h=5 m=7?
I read h=5 m=26
